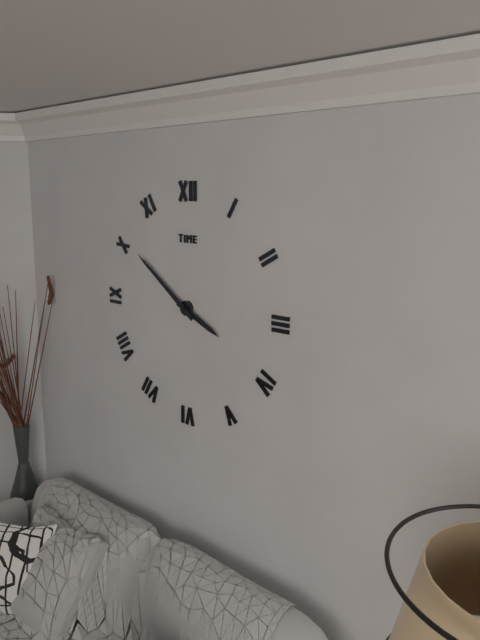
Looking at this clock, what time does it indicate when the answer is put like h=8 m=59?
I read h=3 m=51
